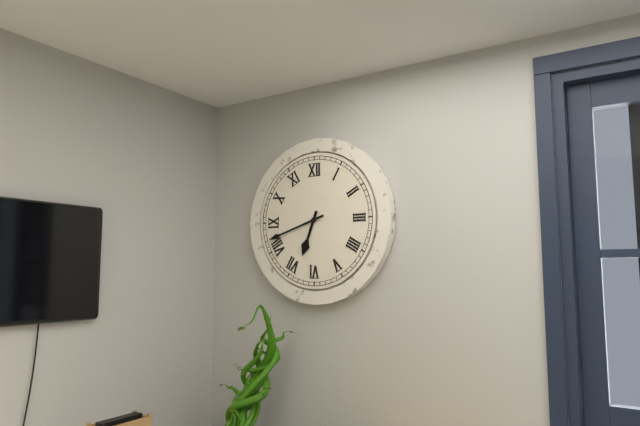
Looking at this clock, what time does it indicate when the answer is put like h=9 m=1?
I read h=6 m=42
